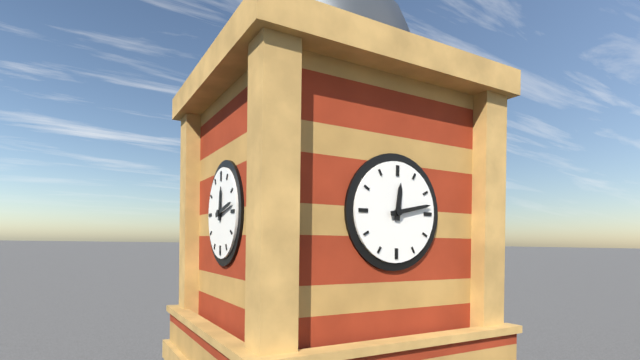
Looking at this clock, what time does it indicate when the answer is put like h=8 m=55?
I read h=12 m=13
